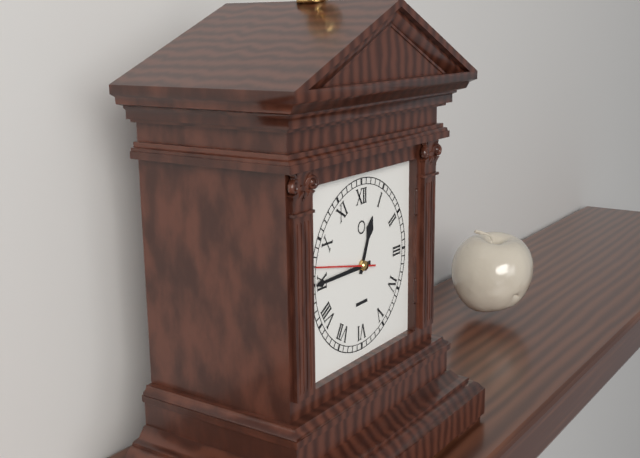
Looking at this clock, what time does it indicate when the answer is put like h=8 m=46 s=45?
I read h=12 m=45 s=47
